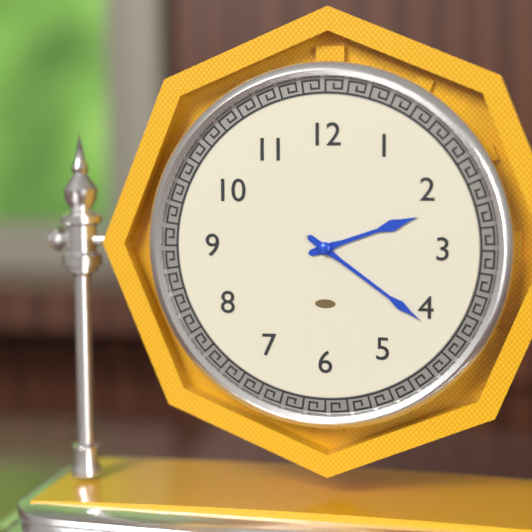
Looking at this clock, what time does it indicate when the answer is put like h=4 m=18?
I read h=2 m=21
